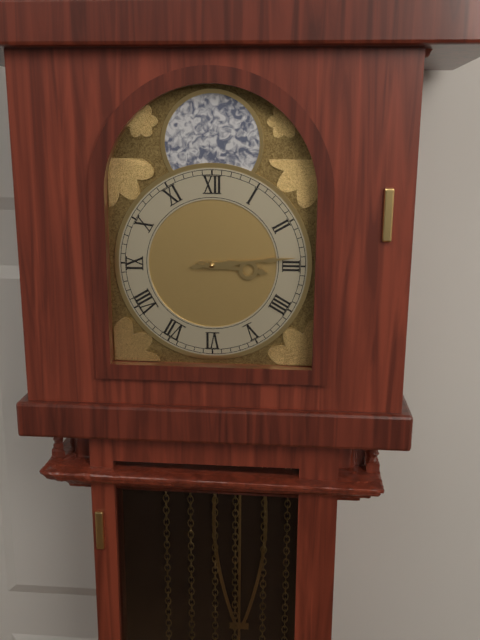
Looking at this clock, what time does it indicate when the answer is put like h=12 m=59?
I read h=3 m=14
